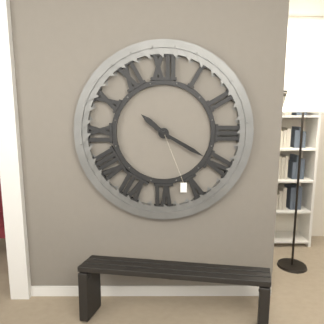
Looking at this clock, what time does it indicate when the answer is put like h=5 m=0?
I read h=10 m=20
